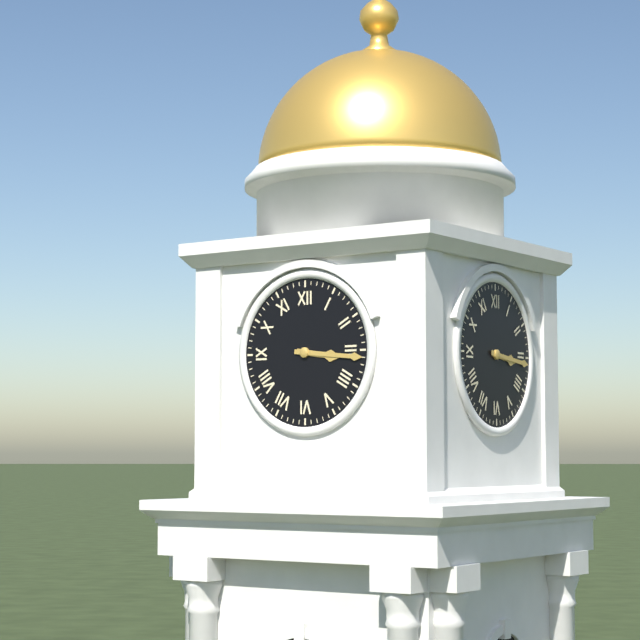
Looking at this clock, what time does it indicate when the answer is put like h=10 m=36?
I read h=3 m=16
